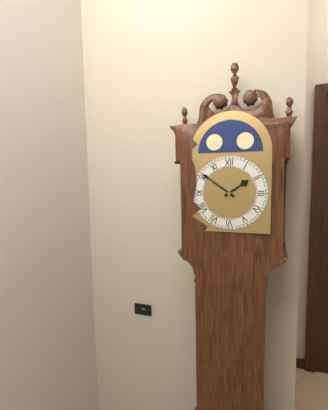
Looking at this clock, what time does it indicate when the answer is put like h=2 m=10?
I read h=1 m=51
